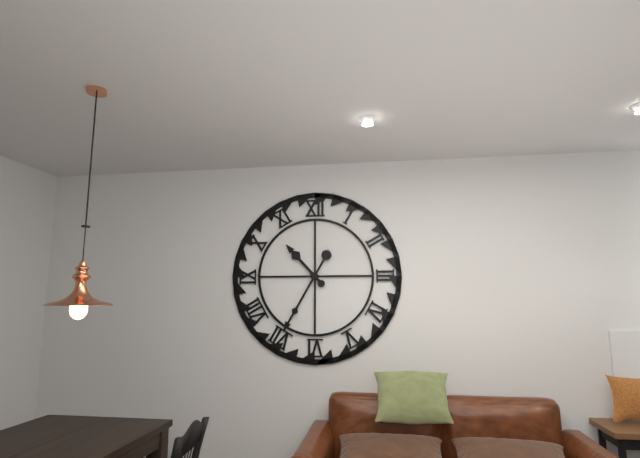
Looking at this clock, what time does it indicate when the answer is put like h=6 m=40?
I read h=10 m=35
